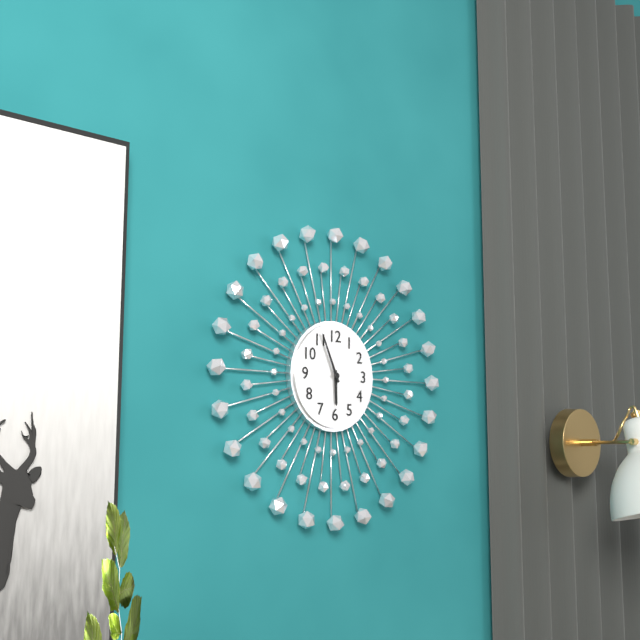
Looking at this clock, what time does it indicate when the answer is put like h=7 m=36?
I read h=5 m=56
